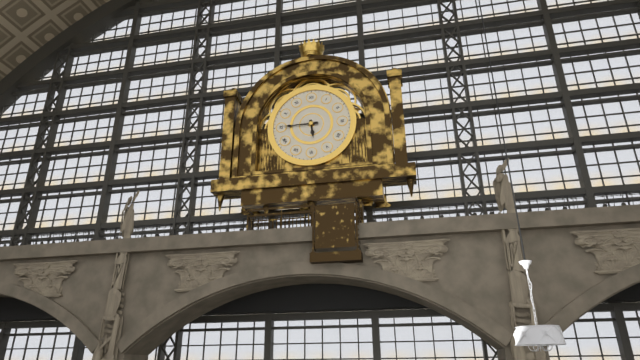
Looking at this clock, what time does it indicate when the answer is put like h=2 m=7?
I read h=5 m=45
